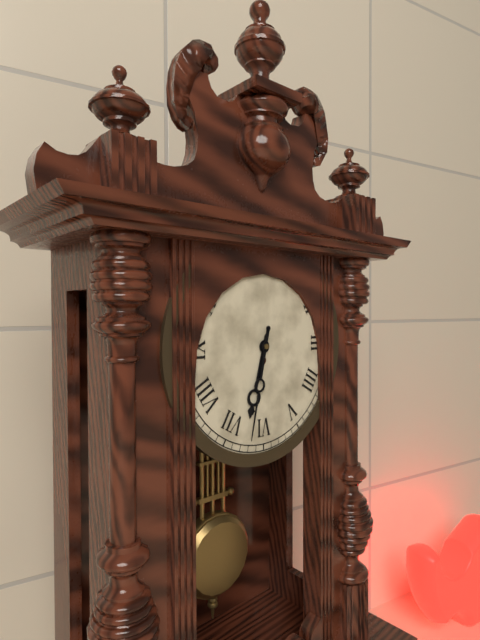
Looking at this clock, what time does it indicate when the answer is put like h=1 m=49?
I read h=6 m=32
